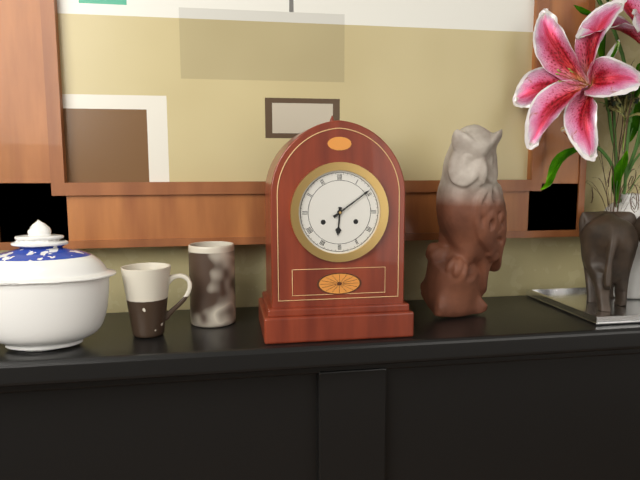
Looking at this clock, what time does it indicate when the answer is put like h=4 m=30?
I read h=6 m=9
